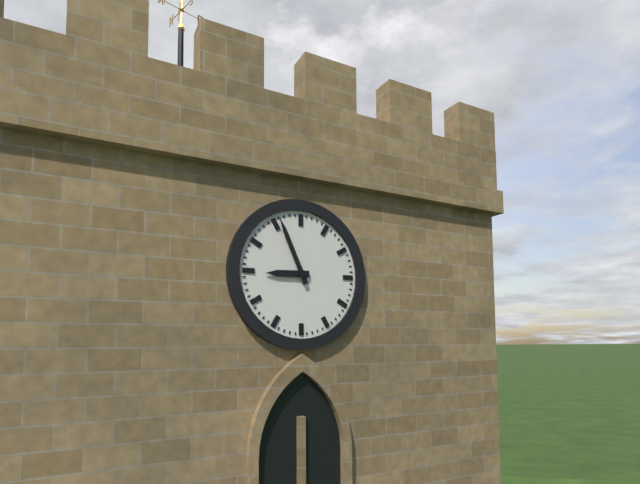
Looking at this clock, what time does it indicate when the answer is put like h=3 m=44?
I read h=8 m=56
